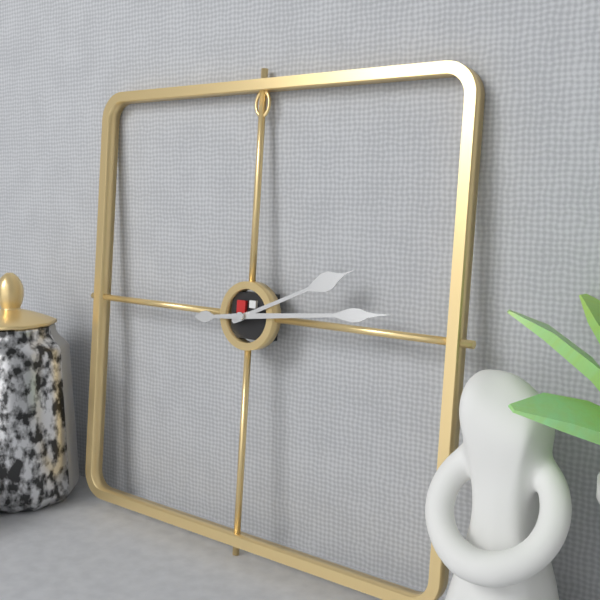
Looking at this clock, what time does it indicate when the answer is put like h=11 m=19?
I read h=2 m=14
